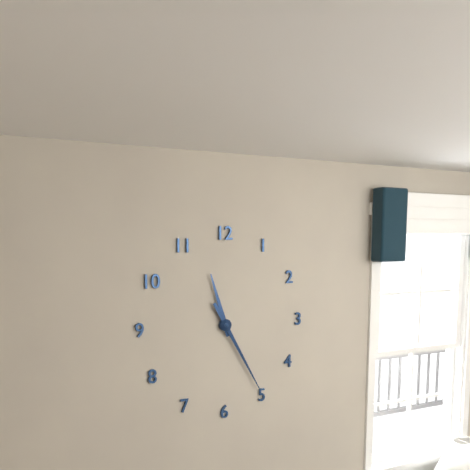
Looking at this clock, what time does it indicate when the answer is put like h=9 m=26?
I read h=11 m=25
